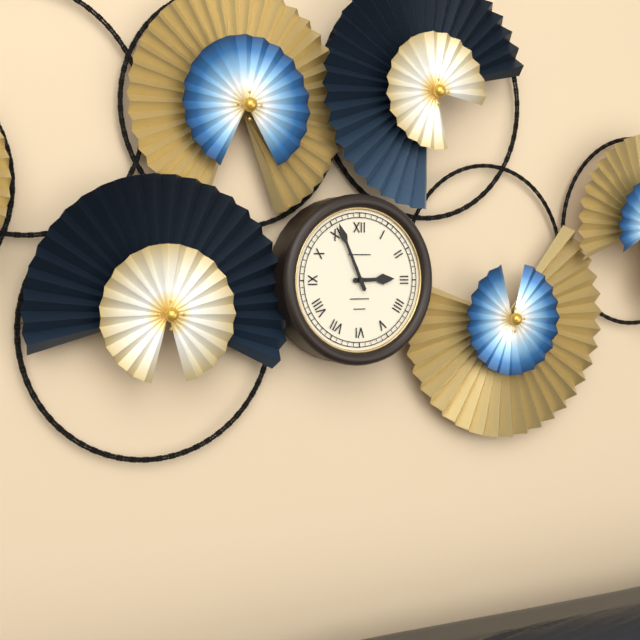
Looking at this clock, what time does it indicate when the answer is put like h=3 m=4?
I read h=2 m=56
